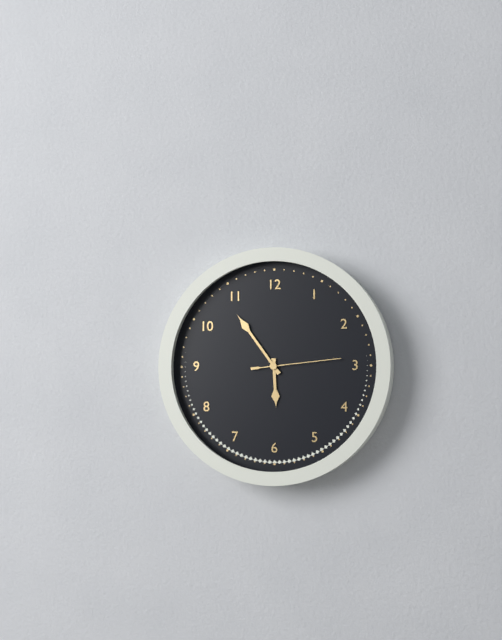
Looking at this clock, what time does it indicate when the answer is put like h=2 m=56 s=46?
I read h=5 m=54 s=14
